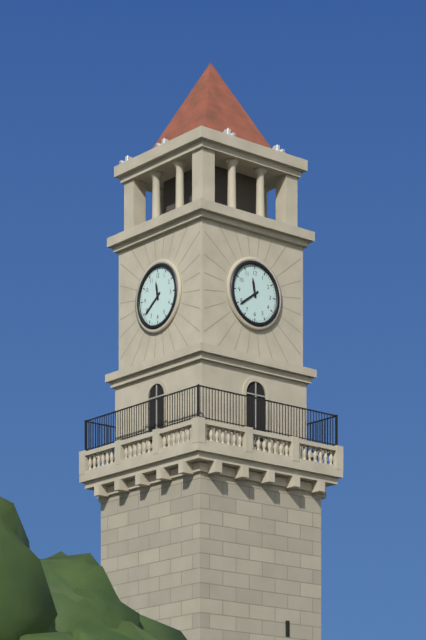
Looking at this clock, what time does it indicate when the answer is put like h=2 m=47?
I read h=11 m=39
